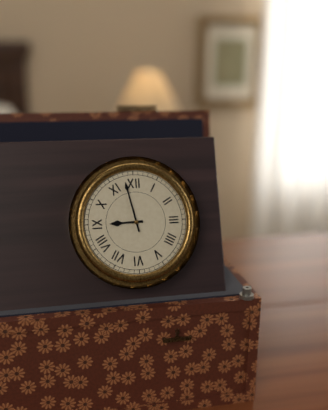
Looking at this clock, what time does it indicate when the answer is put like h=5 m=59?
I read h=8 m=58
